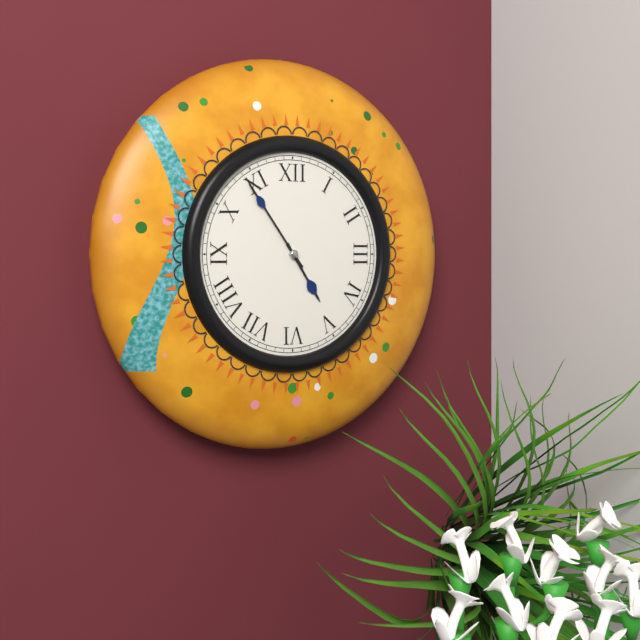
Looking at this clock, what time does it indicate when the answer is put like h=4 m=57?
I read h=4 m=54
